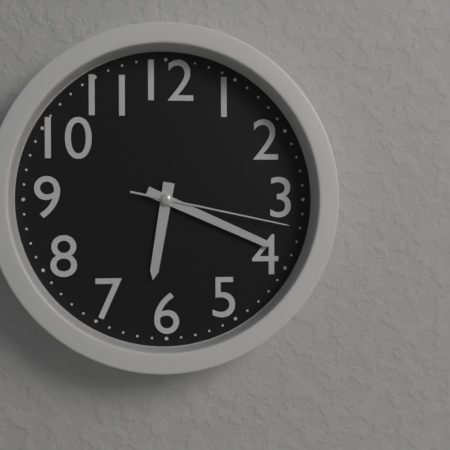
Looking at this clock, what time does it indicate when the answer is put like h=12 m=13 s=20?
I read h=6 m=19 s=17
